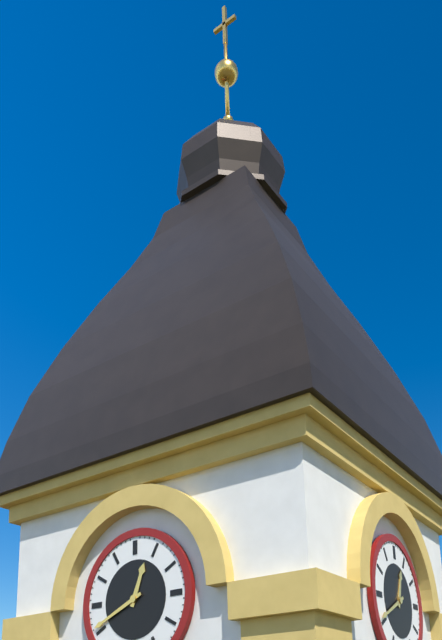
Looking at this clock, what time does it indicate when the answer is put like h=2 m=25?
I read h=12 m=41
